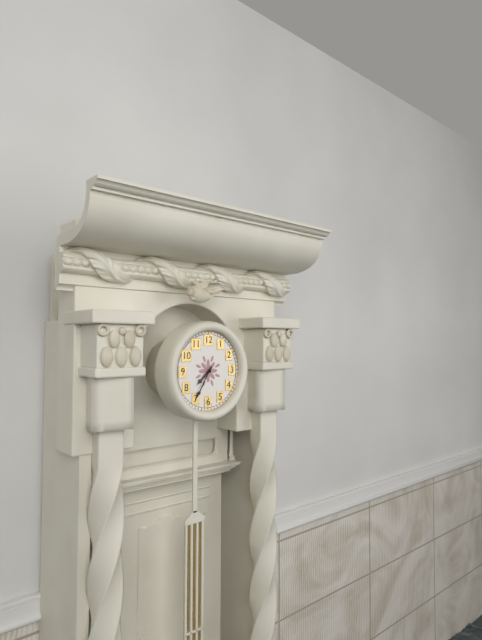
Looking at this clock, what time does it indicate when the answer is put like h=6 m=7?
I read h=7 m=35
